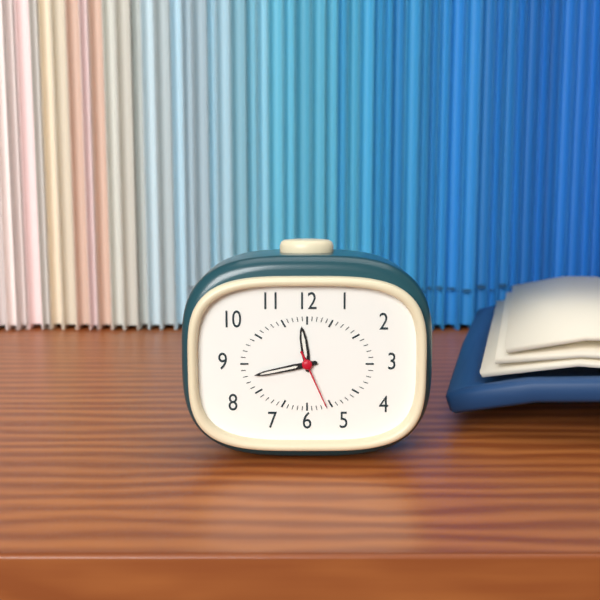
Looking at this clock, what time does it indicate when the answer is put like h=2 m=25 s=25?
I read h=11 m=43 s=26
